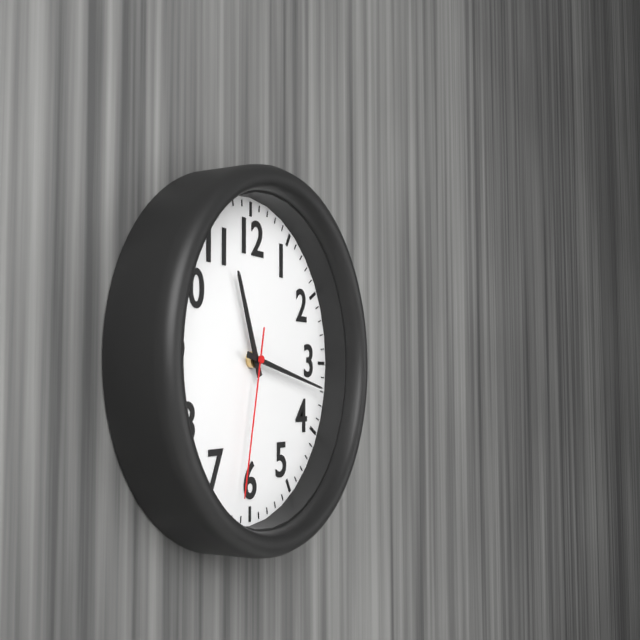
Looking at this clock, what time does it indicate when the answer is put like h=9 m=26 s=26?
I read h=11 m=17 s=32
